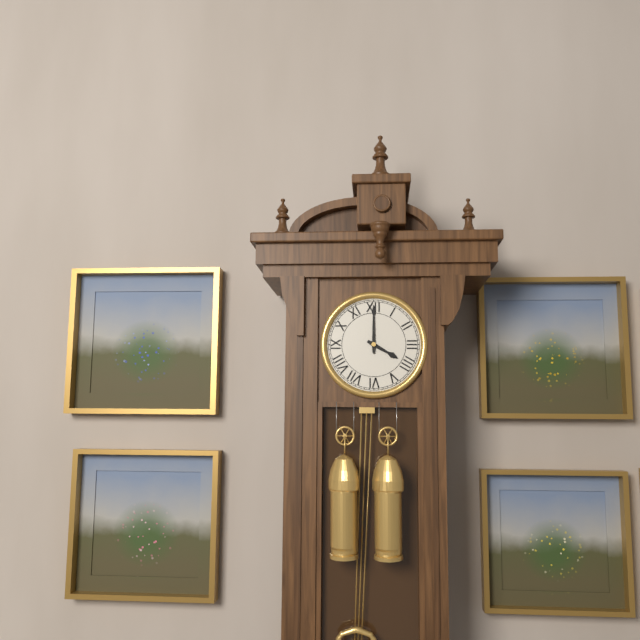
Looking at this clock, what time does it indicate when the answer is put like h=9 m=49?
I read h=4 m=0
